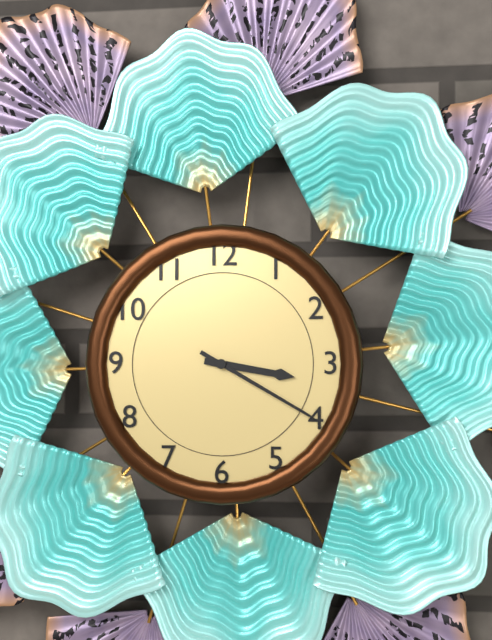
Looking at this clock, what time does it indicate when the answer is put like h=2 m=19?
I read h=3 m=20
